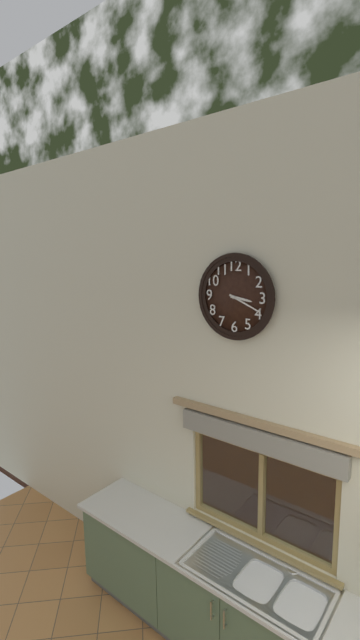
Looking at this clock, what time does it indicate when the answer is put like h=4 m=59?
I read h=3 m=19
